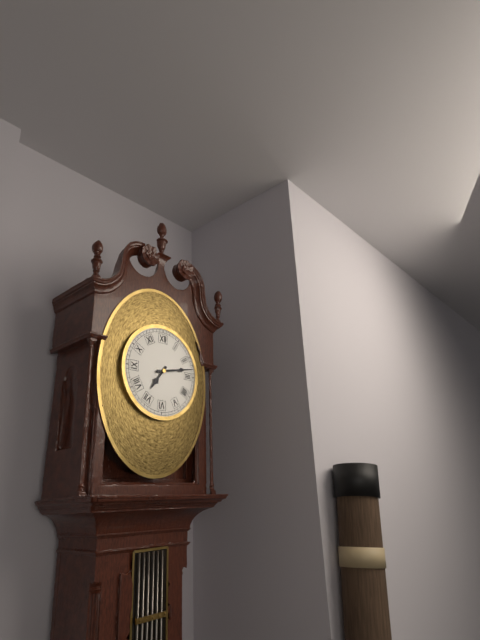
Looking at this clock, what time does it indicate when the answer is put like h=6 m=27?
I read h=7 m=13
